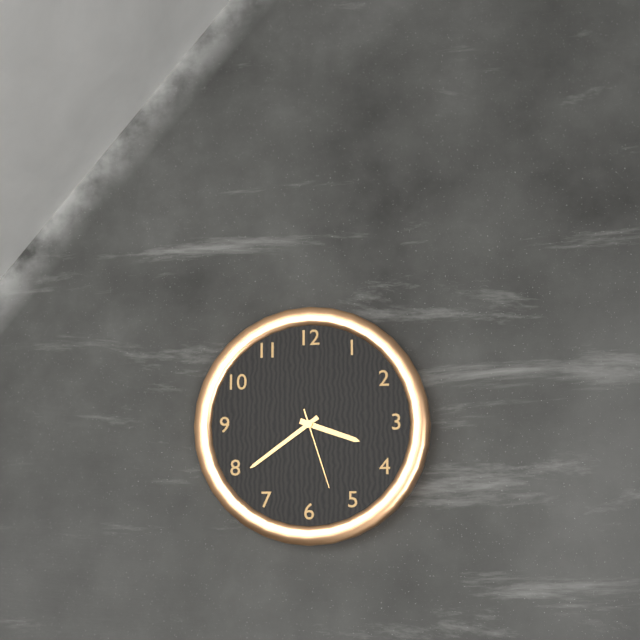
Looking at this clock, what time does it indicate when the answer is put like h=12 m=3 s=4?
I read h=3 m=39 s=27
